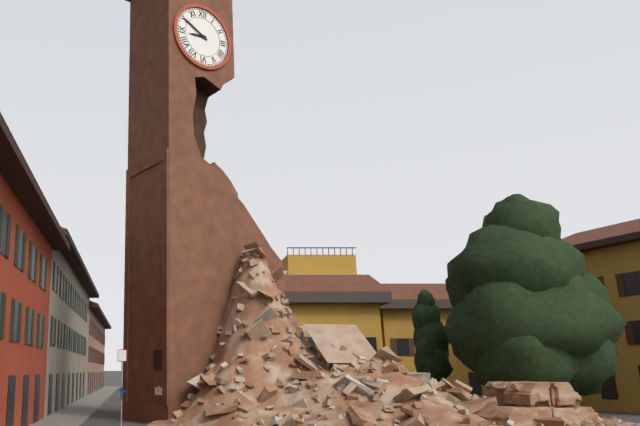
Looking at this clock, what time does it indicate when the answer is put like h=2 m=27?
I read h=8 m=50
